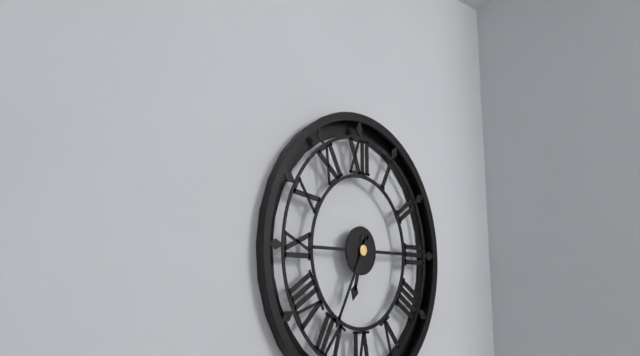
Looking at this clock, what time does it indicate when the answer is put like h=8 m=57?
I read h=6 m=35
